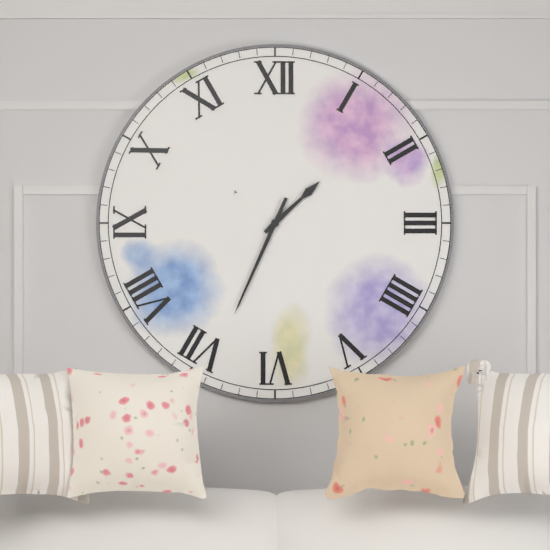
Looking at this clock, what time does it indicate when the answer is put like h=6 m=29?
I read h=1 m=34
